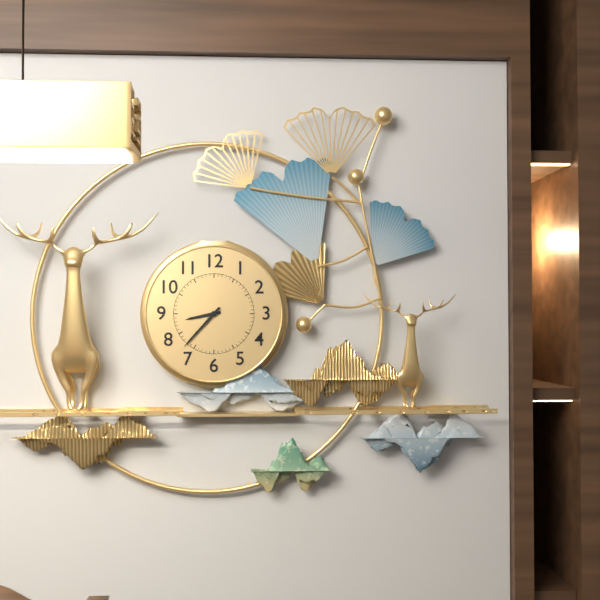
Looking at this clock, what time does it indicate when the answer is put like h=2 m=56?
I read h=8 m=37
